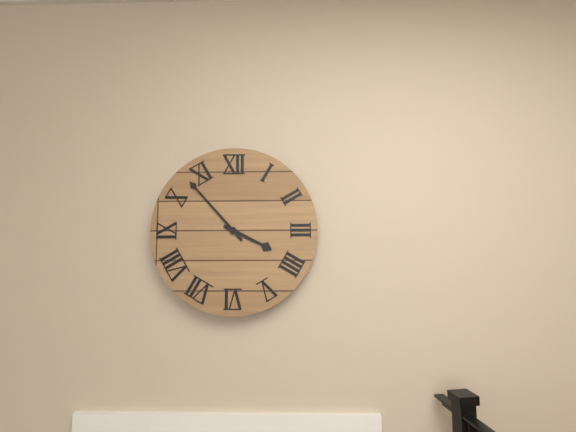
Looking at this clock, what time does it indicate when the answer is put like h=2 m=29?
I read h=3 m=53
